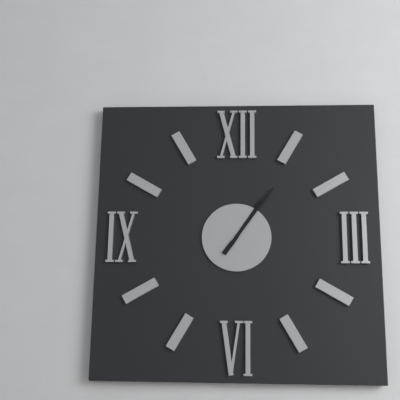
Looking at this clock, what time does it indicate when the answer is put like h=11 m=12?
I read h=1 m=6
